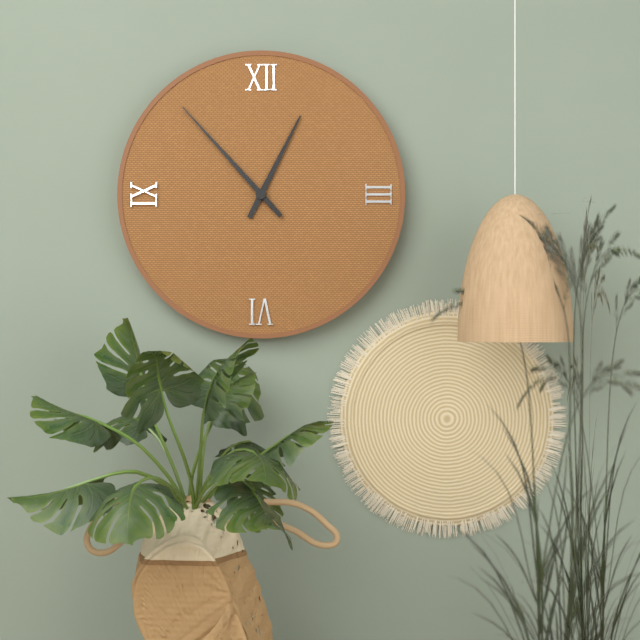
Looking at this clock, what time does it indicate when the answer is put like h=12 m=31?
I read h=12 m=53
